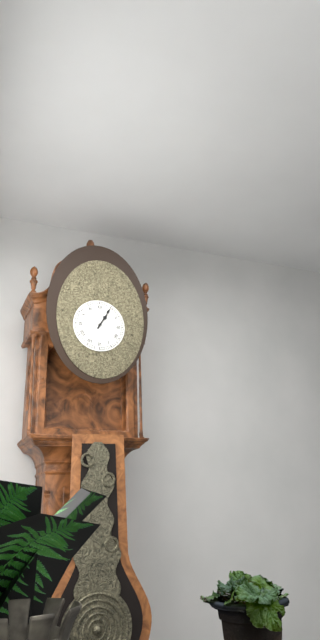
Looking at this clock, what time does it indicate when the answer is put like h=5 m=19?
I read h=1 m=5
